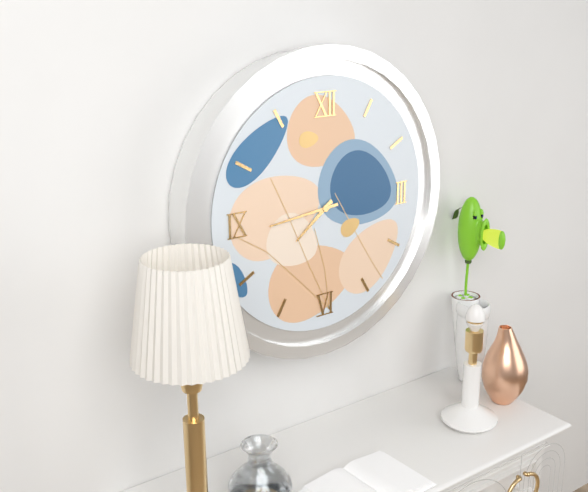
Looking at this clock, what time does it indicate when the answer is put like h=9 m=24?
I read h=7 m=44
